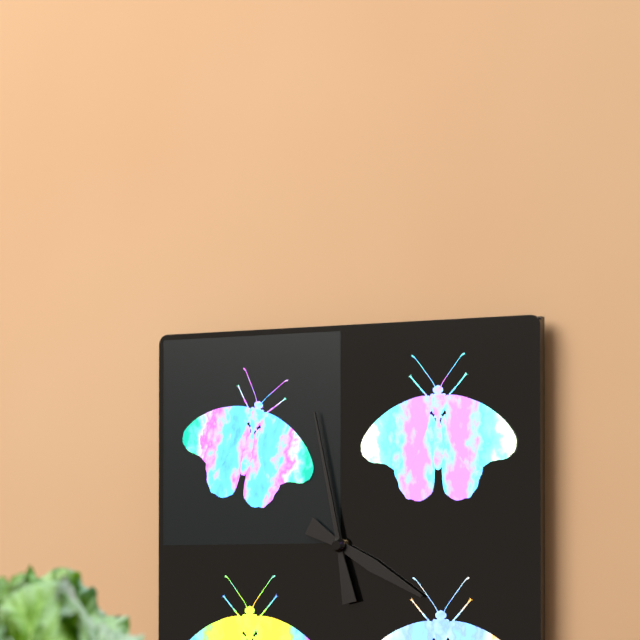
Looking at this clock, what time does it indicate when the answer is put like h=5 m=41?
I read h=3 m=58
